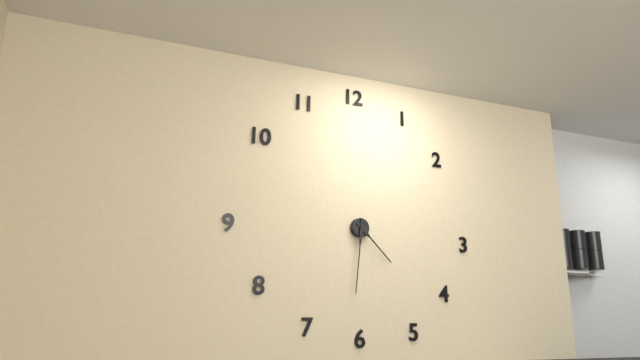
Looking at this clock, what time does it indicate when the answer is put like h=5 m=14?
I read h=4 m=31
